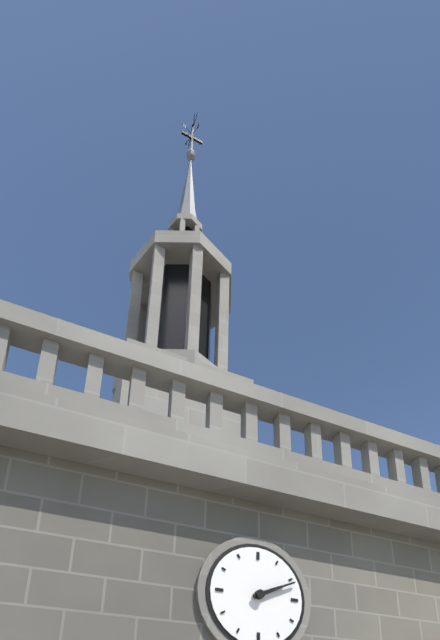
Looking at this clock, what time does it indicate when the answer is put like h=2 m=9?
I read h=2 m=11
